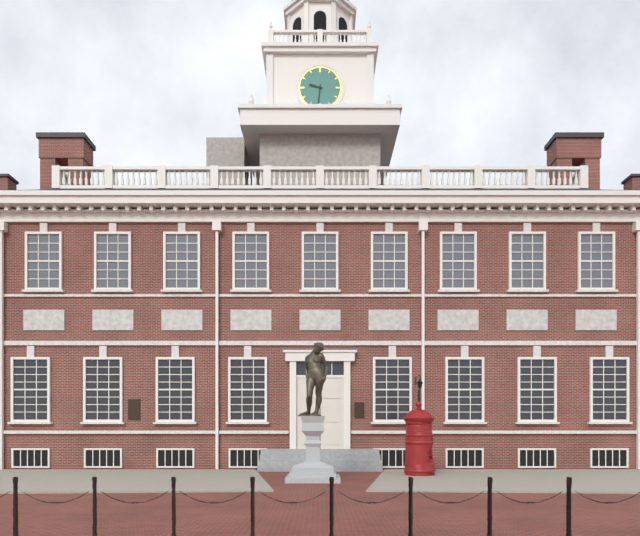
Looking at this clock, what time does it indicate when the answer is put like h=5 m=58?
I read h=9 m=31
